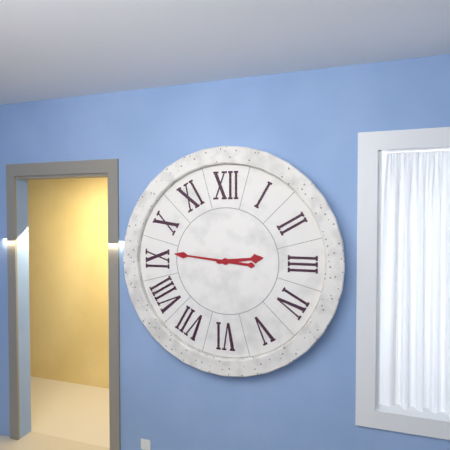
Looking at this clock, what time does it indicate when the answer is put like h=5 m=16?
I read h=2 m=46
